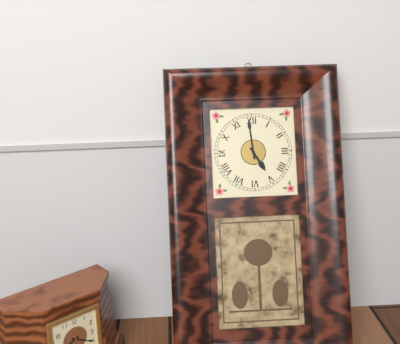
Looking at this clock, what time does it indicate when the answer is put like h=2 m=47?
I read h=4 m=59
